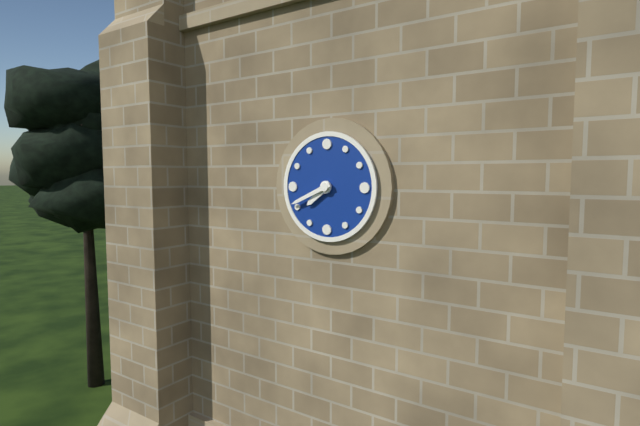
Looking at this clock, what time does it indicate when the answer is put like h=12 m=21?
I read h=7 m=41
